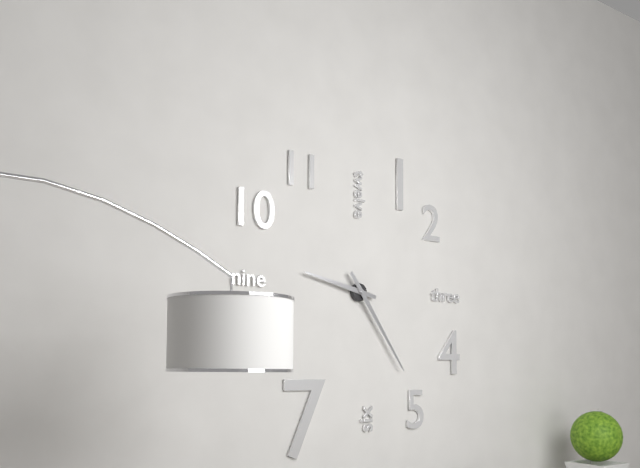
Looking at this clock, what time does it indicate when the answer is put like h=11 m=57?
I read h=9 m=24
